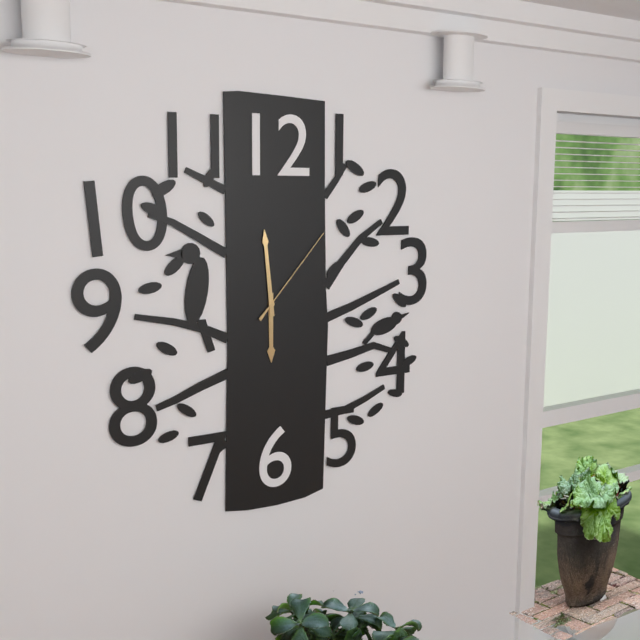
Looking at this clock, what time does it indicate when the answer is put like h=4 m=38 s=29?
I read h=5 m=59 s=7
